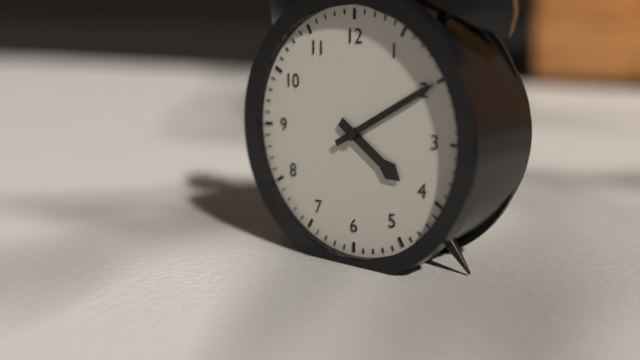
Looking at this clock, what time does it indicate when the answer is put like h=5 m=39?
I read h=4 m=10
